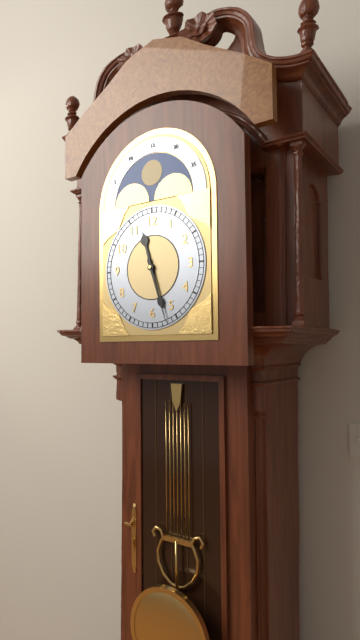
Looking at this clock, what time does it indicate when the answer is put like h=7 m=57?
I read h=11 m=27
